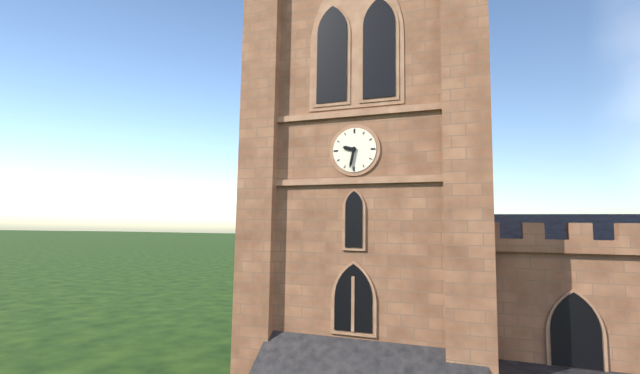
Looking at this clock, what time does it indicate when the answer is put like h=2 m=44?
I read h=9 m=32
